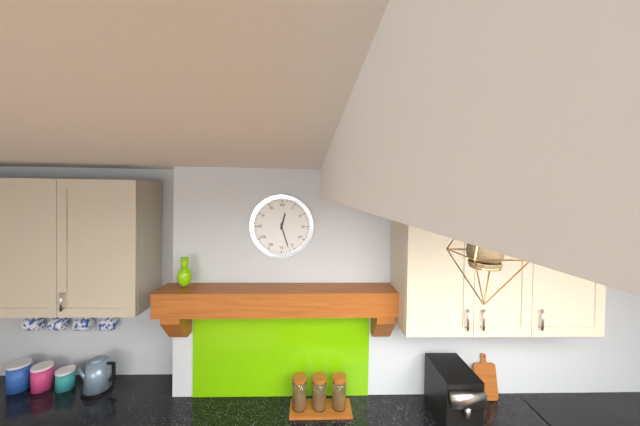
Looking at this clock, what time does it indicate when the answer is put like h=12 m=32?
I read h=12 m=27
